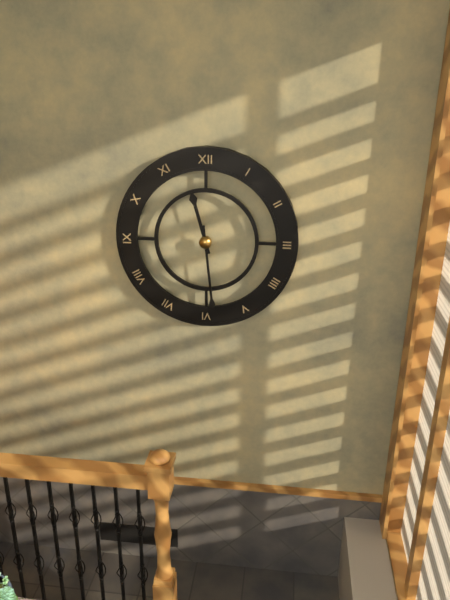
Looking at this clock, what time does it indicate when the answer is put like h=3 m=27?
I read h=11 m=29
